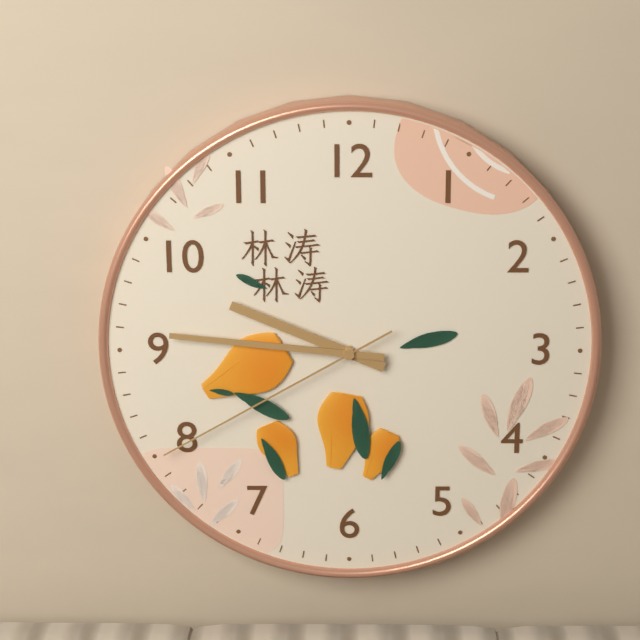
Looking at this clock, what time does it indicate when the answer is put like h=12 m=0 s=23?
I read h=9 m=46 s=40
